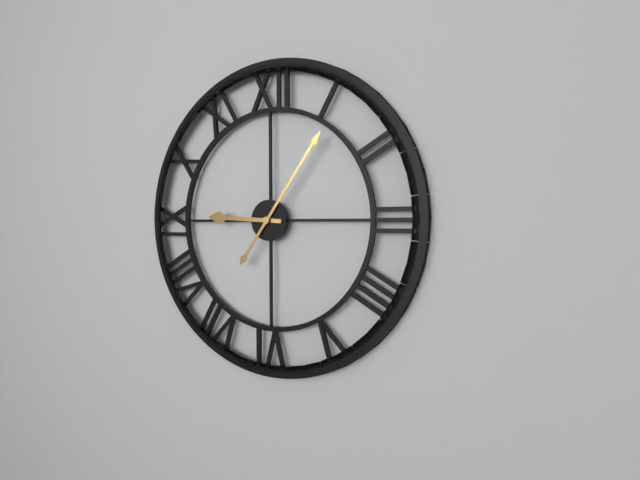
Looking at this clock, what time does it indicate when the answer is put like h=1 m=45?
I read h=9 m=6
